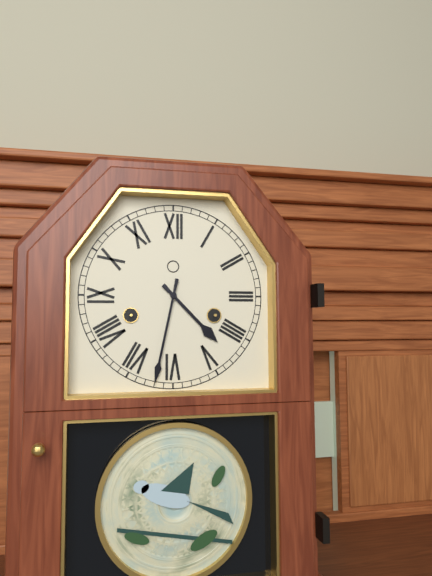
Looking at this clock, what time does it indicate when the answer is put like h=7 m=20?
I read h=4 m=32
